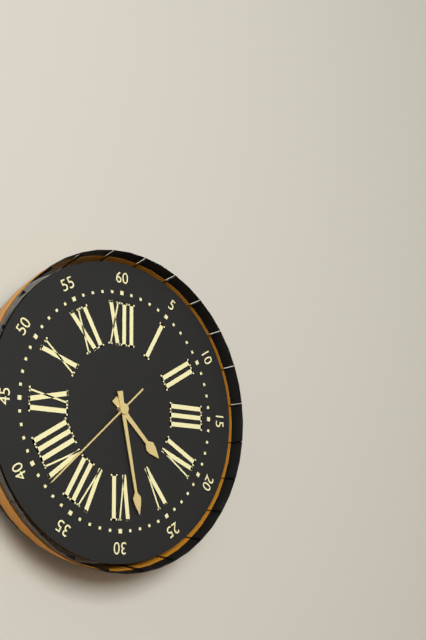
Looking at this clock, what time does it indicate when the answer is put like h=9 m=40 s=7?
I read h=4 m=28 s=38
